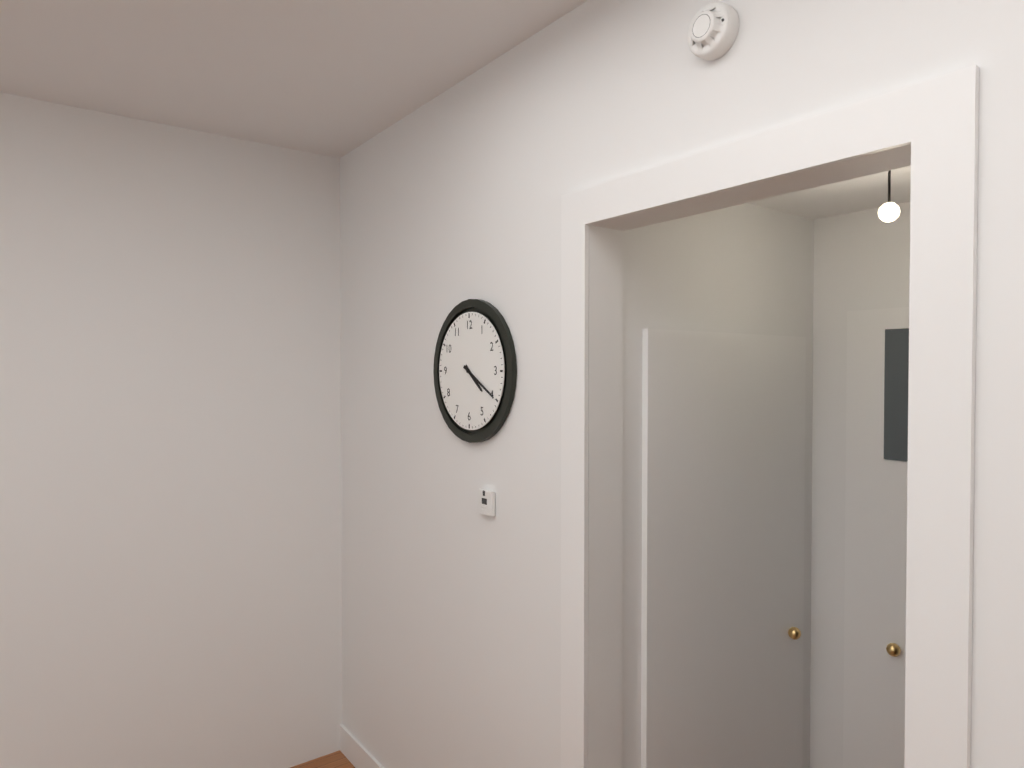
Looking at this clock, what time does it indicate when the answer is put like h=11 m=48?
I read h=4 m=20
